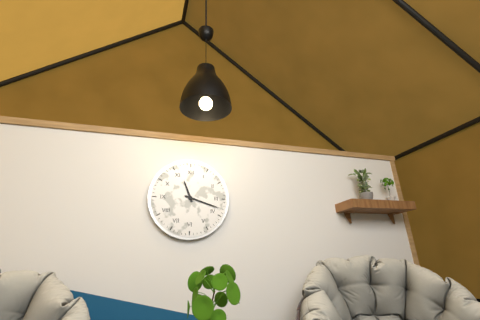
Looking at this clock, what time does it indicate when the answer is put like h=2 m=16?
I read h=11 m=18
